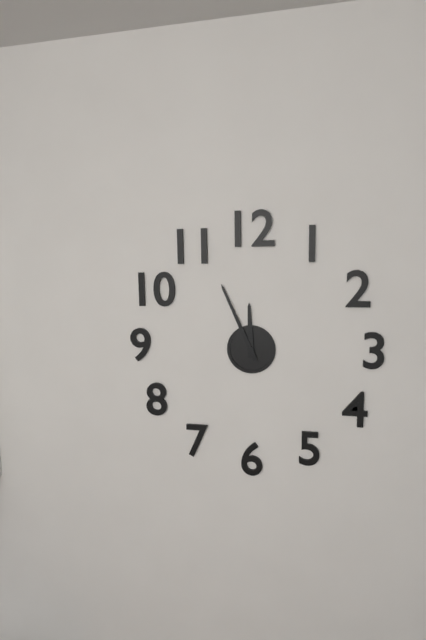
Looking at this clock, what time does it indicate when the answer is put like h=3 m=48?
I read h=11 m=56
